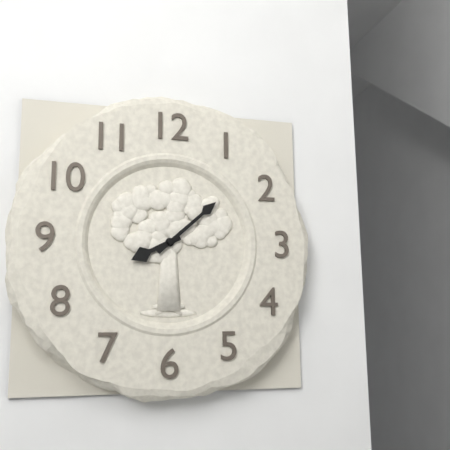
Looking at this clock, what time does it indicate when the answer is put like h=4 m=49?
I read h=8 m=8
